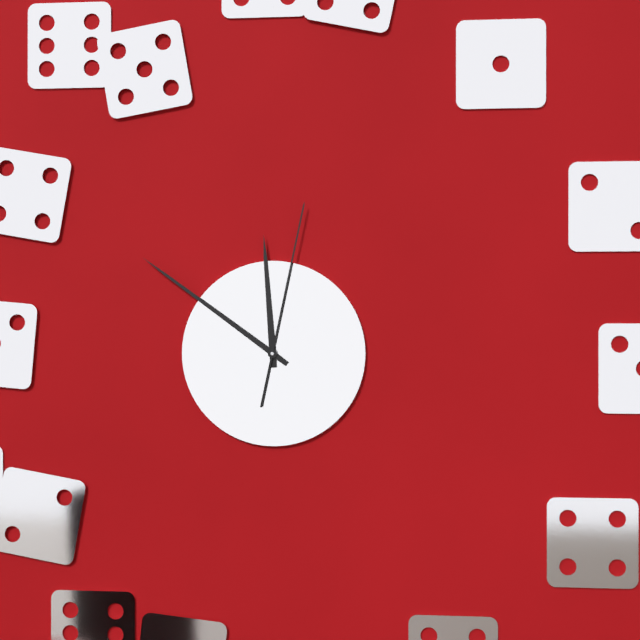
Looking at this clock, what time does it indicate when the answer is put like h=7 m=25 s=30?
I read h=11 m=51 s=2
